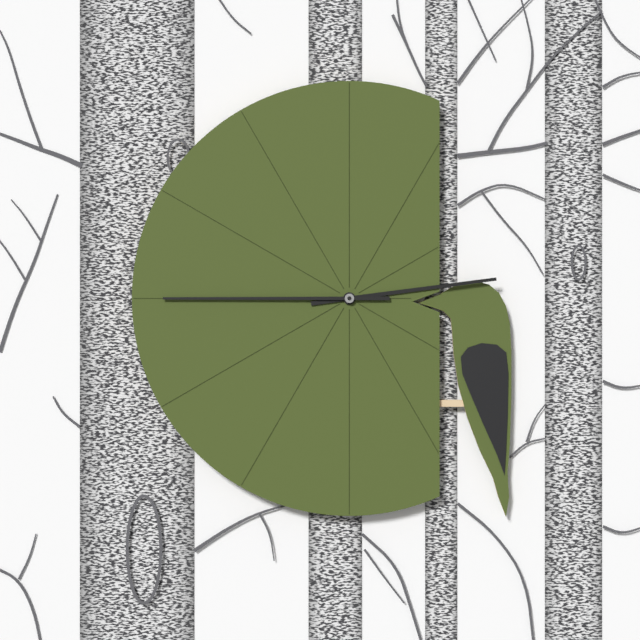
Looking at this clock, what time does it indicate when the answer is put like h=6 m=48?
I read h=2 m=45
